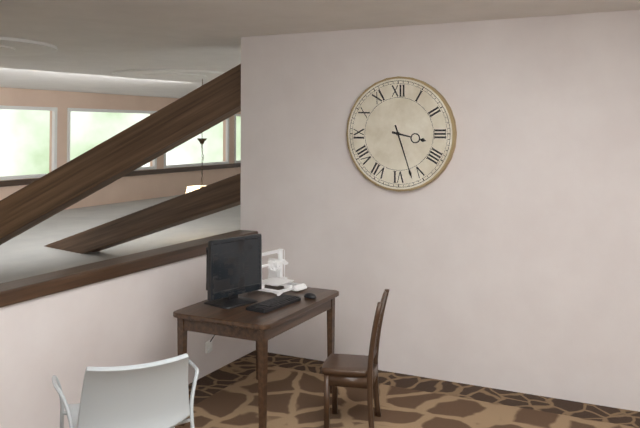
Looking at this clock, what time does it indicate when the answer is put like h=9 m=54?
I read h=3 m=27
